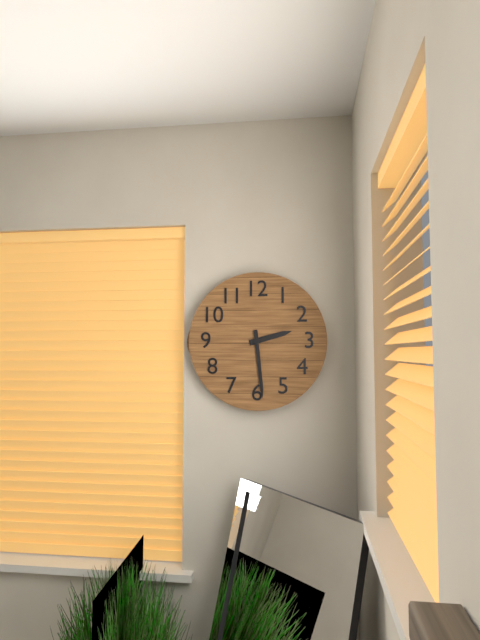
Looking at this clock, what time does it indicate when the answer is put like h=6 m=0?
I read h=2 m=29
